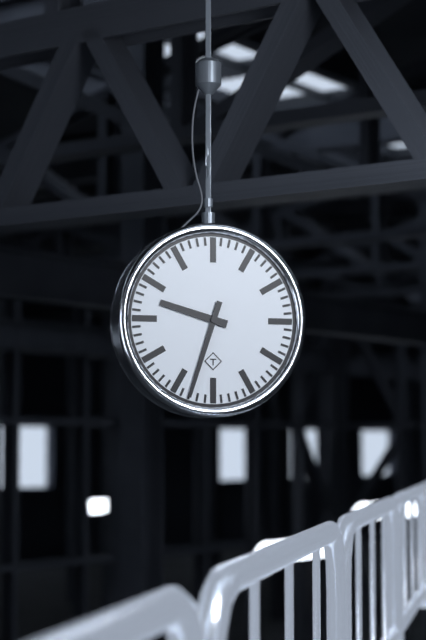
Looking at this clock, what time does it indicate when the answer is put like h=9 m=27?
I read h=9 m=33
